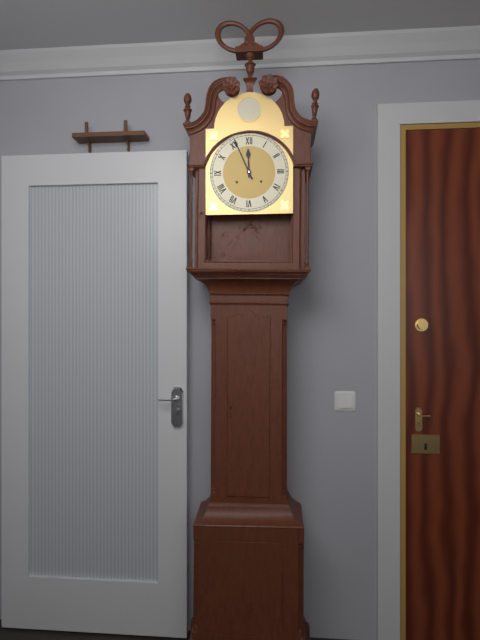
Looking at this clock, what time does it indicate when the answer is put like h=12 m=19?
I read h=11 m=56
